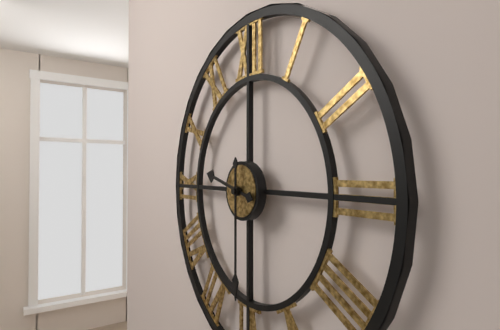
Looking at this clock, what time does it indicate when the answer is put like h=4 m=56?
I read h=9 m=30
